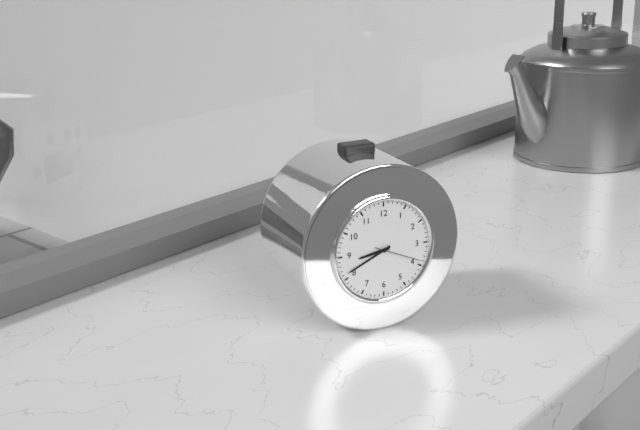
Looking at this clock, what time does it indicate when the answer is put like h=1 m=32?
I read h=8 m=41
